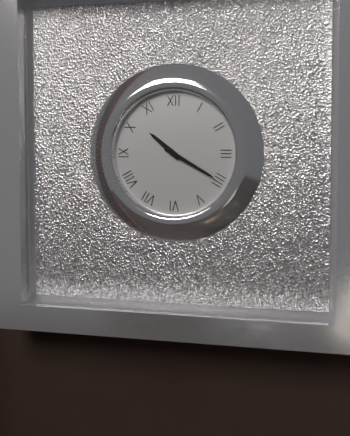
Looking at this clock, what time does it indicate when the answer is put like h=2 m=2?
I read h=10 m=20
